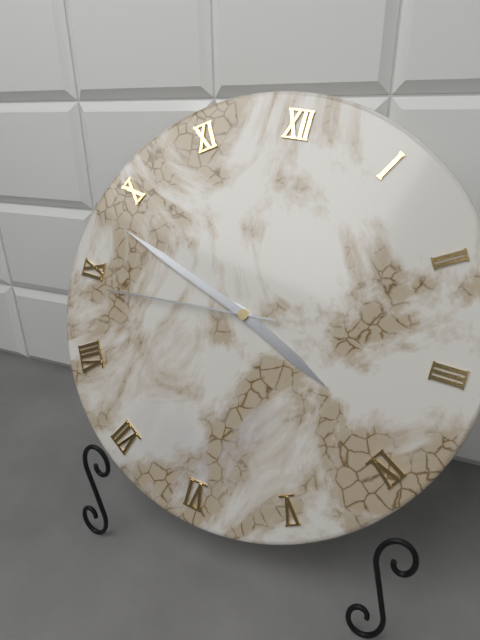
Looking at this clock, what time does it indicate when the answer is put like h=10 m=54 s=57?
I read h=3 m=48 s=44
